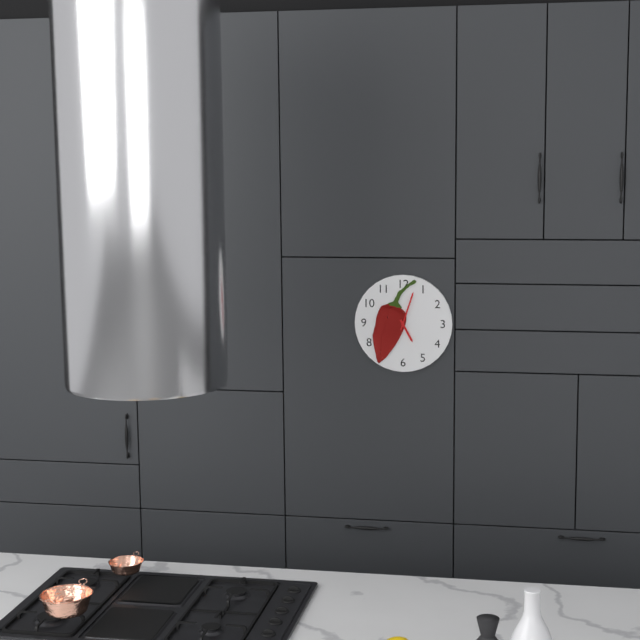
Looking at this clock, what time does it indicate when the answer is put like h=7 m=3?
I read h=5 m=3
